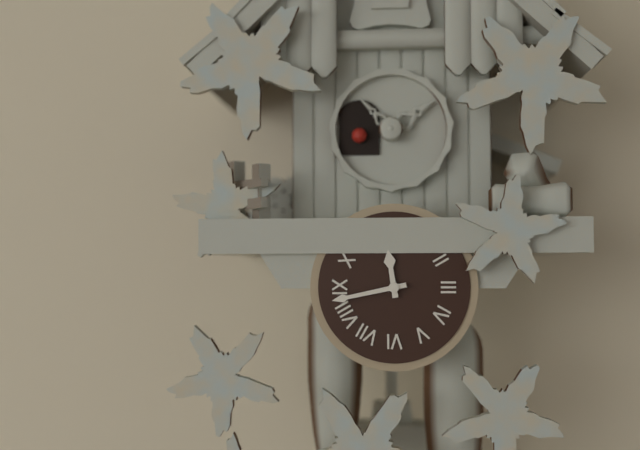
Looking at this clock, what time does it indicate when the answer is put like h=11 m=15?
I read h=11 m=43
